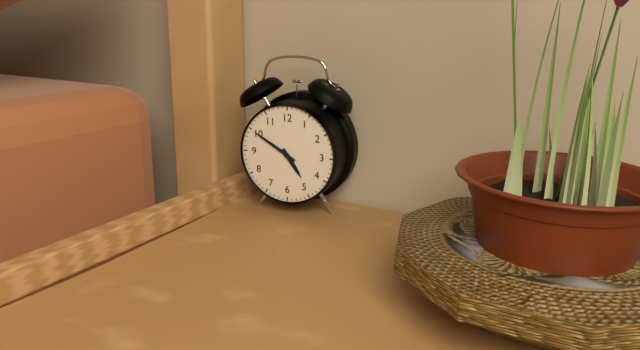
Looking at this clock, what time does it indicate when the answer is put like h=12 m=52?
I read h=4 m=50
